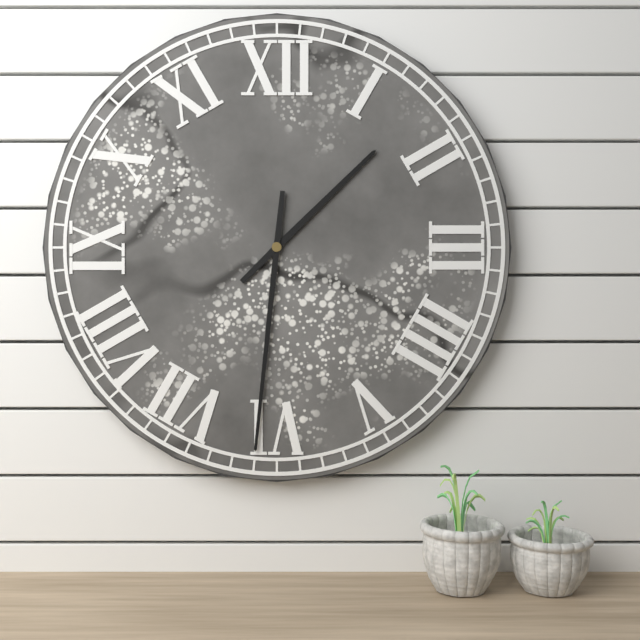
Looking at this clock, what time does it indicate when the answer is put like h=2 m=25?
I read h=1 m=31
